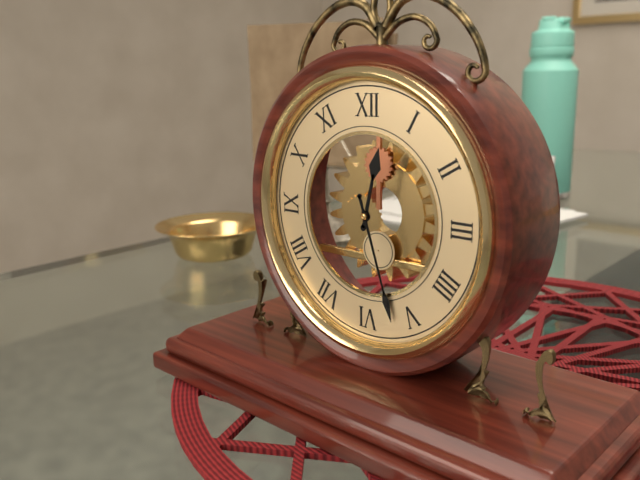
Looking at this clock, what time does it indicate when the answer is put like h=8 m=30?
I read h=12 m=27
